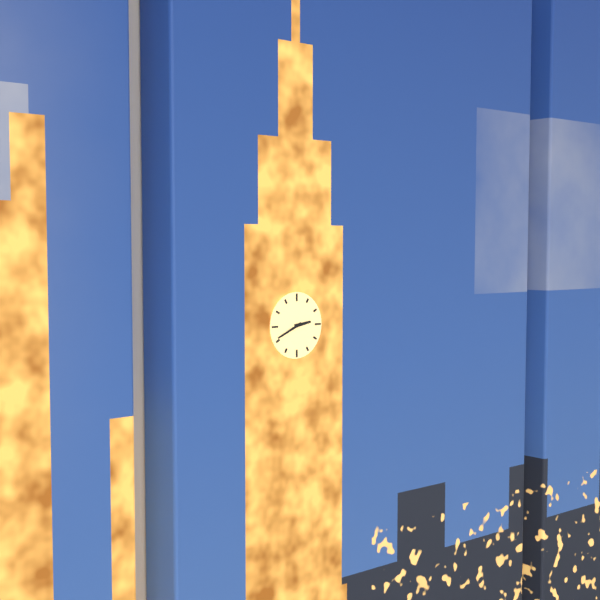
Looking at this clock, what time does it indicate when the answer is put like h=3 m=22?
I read h=2 m=41
